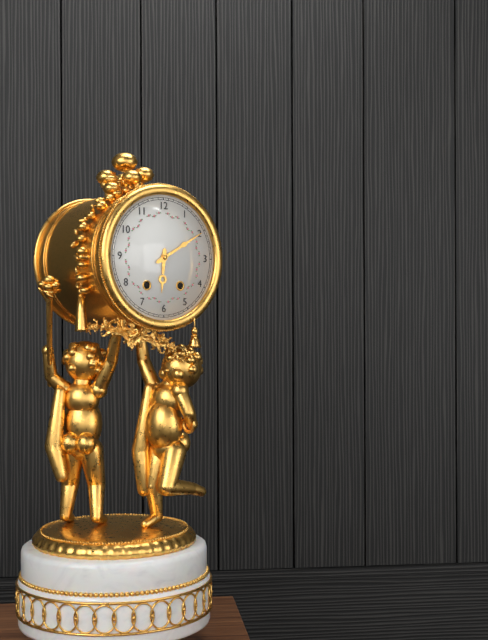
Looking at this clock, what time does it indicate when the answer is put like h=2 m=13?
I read h=6 m=10
